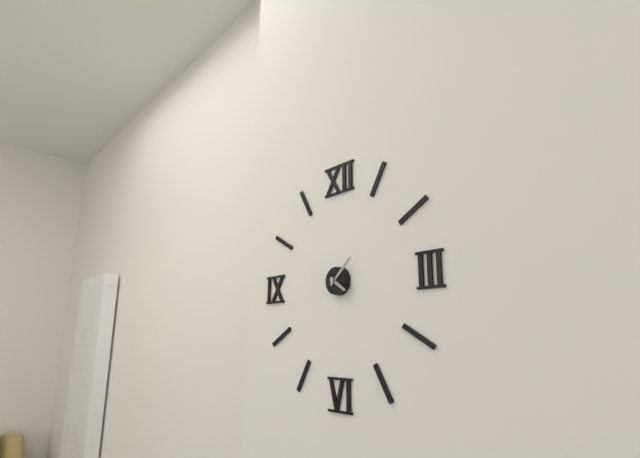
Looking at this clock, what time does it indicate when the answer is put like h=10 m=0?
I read h=4 m=8
